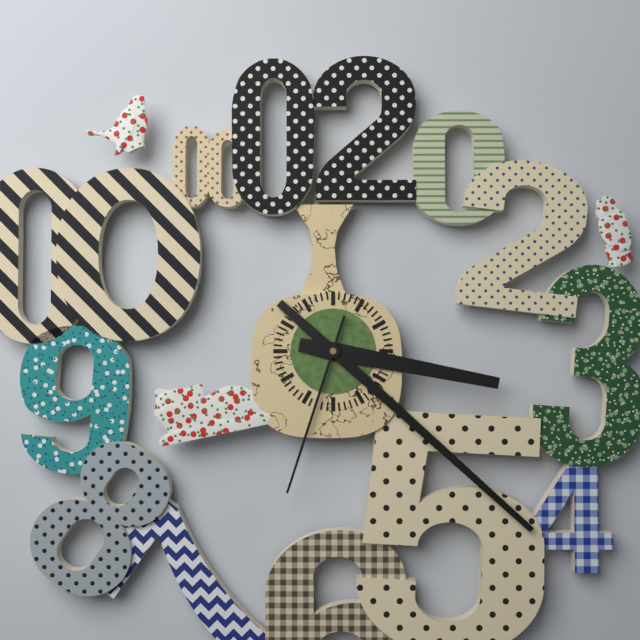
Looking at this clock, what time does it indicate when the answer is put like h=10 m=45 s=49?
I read h=3 m=22 s=33
